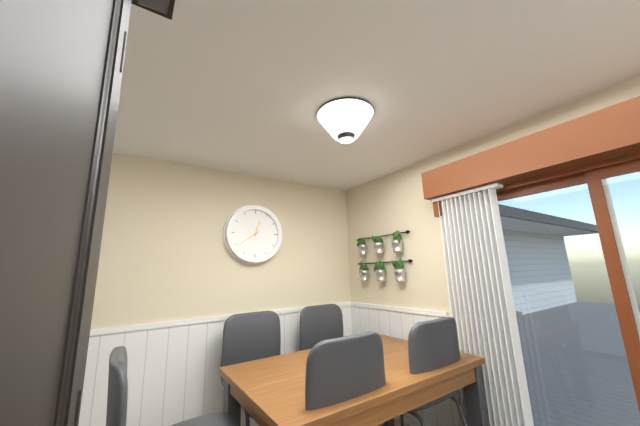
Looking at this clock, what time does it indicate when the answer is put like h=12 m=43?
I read h=12 m=39
